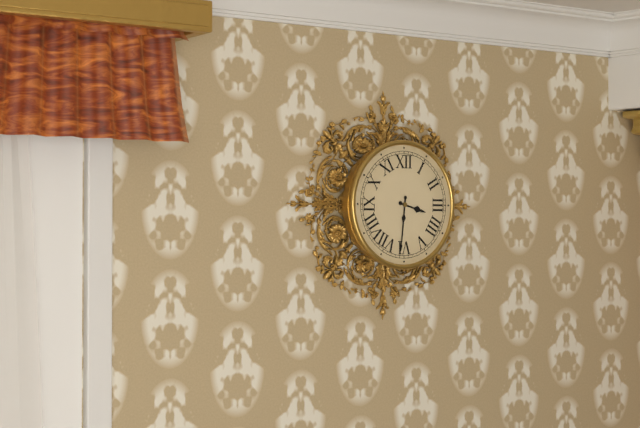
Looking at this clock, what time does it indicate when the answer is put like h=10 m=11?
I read h=3 m=31
